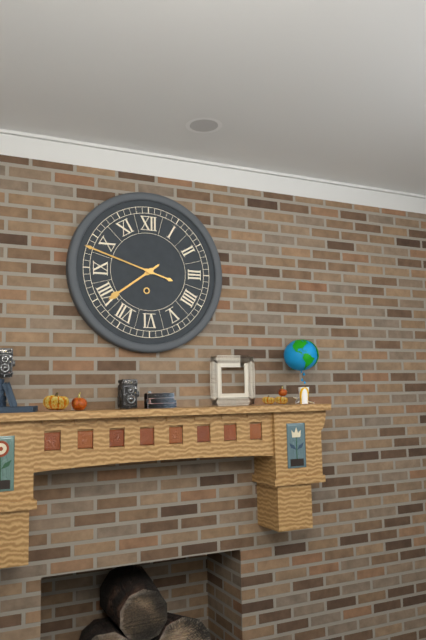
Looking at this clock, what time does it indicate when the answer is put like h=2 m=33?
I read h=7 m=48
